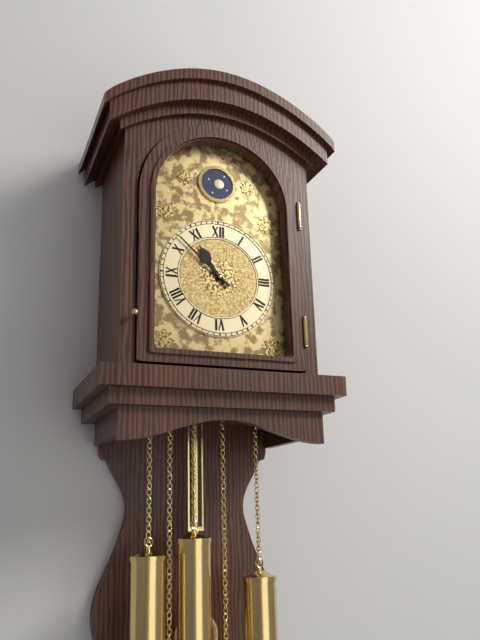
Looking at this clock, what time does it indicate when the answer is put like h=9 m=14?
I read h=10 m=52
